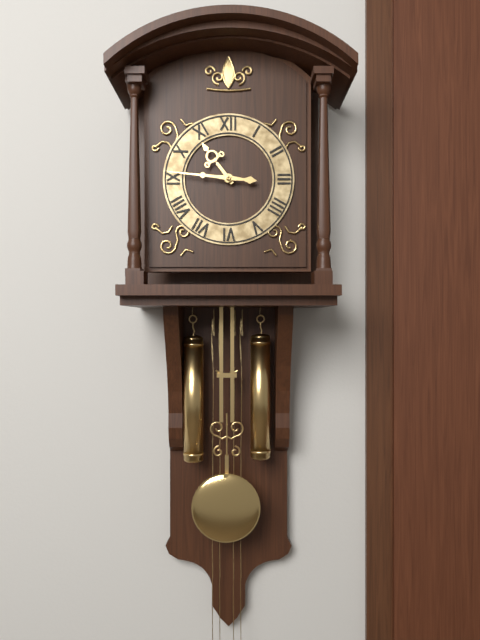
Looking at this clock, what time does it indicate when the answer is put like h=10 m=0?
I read h=10 m=46
